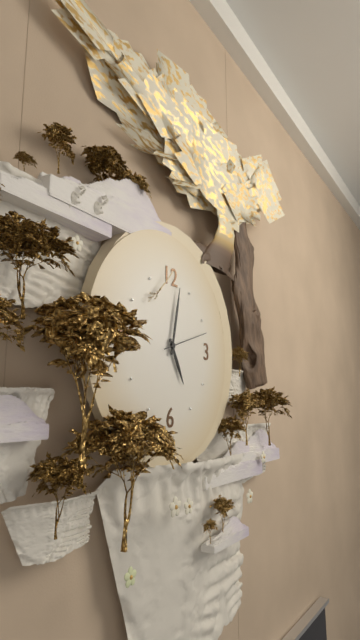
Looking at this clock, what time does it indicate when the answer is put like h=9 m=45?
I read h=5 m=2
